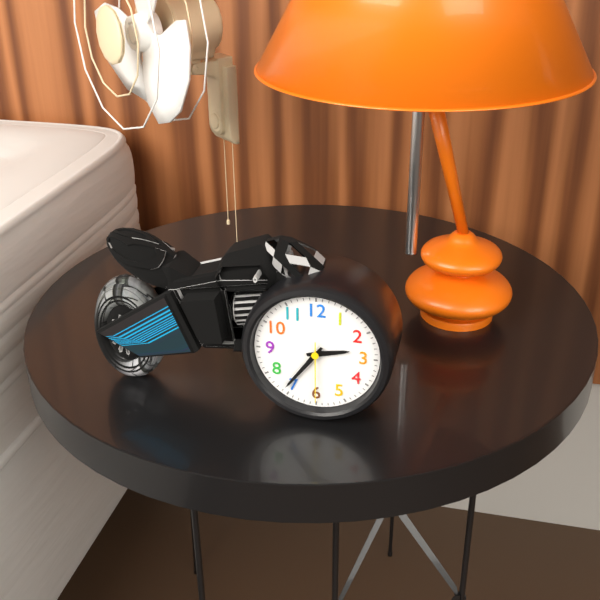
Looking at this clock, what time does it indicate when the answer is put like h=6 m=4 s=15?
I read h=2 m=36 s=30
